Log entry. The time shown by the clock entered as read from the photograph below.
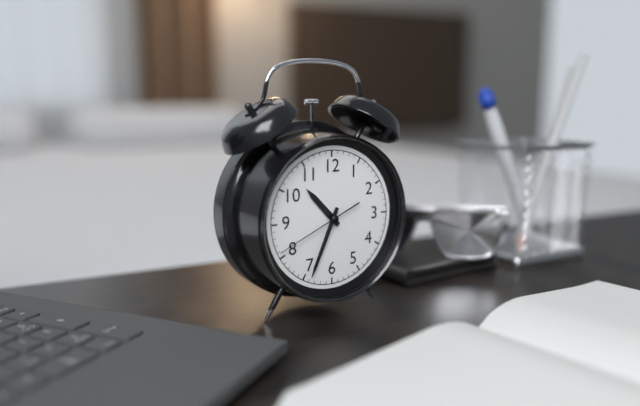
10:34:41
